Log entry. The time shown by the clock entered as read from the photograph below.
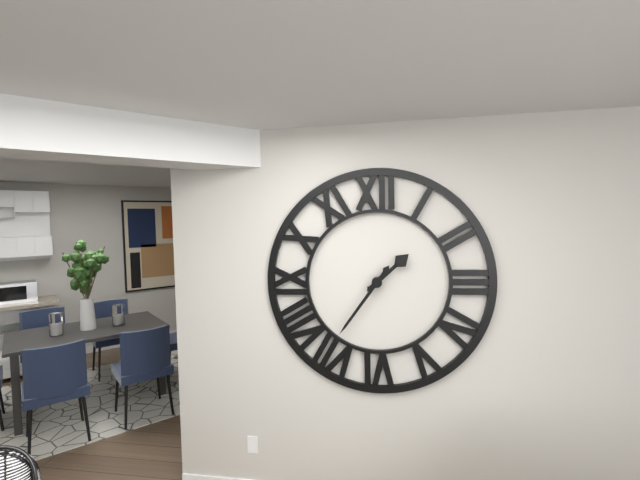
1:36
